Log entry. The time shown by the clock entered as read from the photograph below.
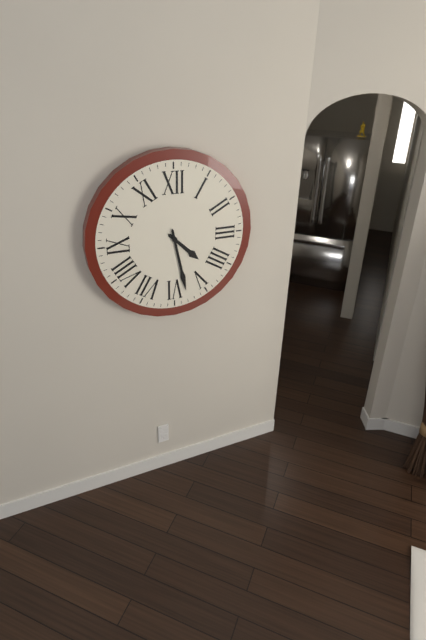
4:28
